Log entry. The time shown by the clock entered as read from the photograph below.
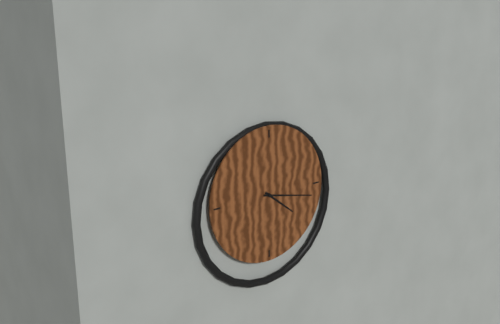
4:17
